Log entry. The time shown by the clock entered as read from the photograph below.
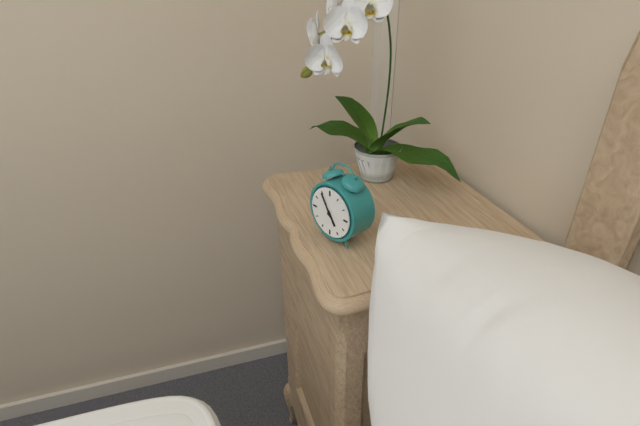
4:55
